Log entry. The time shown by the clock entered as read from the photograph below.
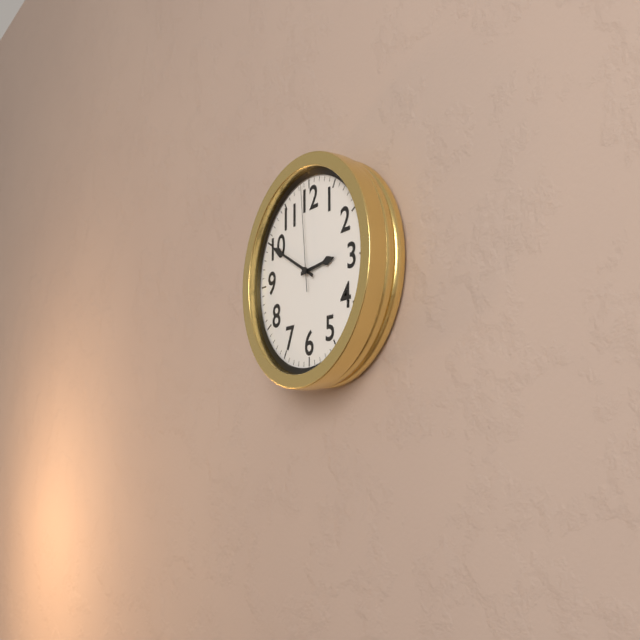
2:50:59
